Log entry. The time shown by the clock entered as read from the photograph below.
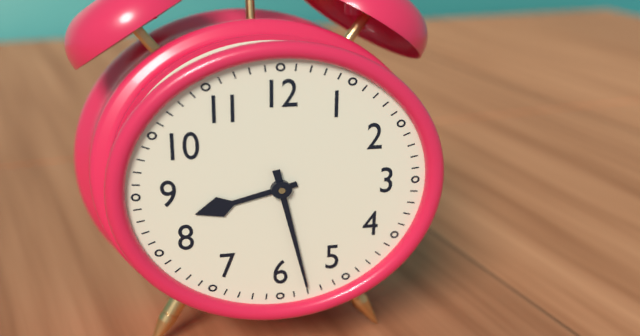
8:28
